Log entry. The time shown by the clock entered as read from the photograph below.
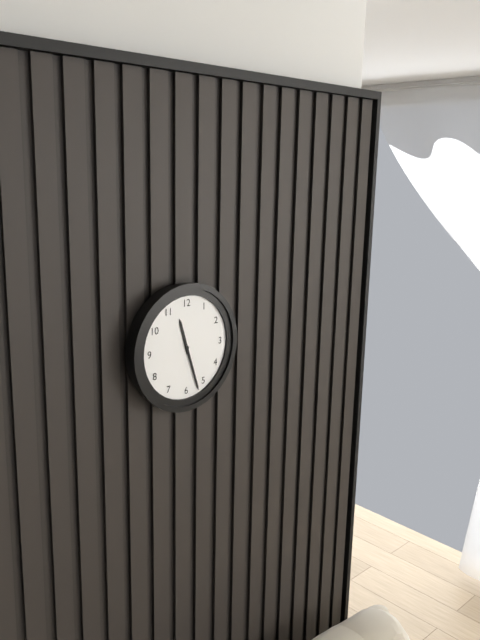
11:27
